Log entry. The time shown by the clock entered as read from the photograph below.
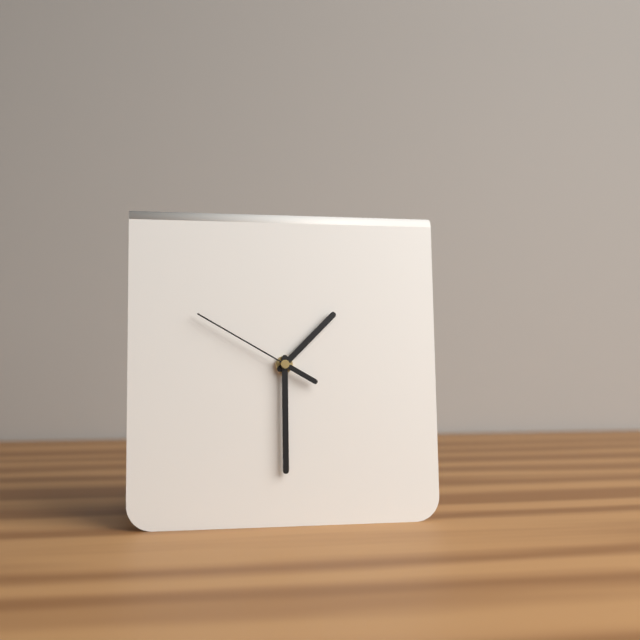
1:30:50
